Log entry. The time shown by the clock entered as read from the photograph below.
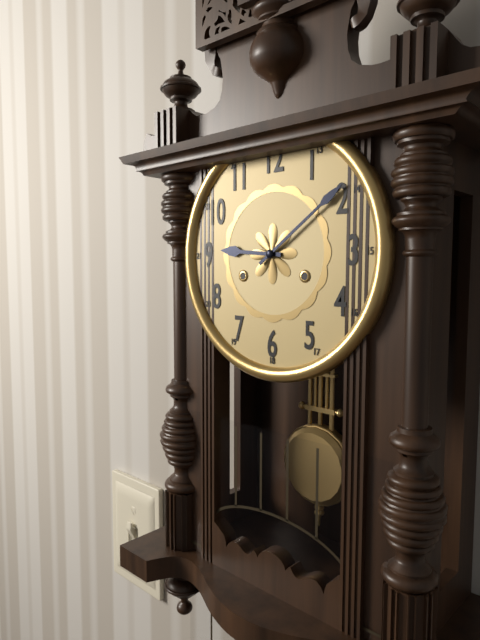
9:09
